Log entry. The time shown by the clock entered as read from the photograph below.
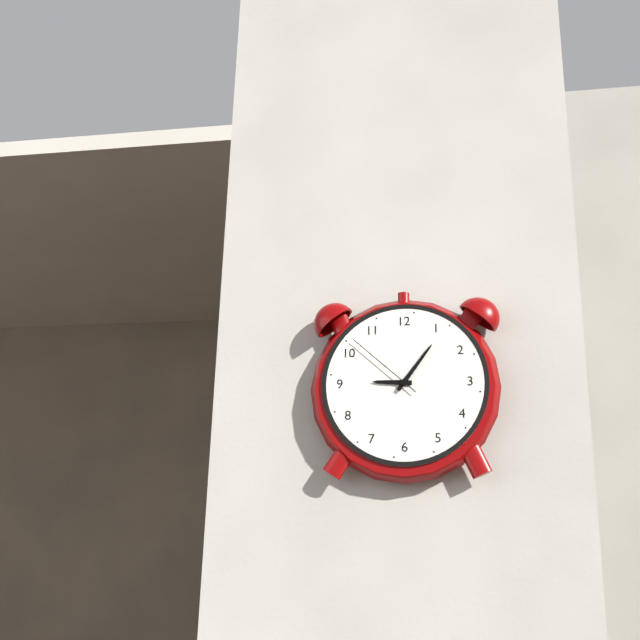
9:06:52
